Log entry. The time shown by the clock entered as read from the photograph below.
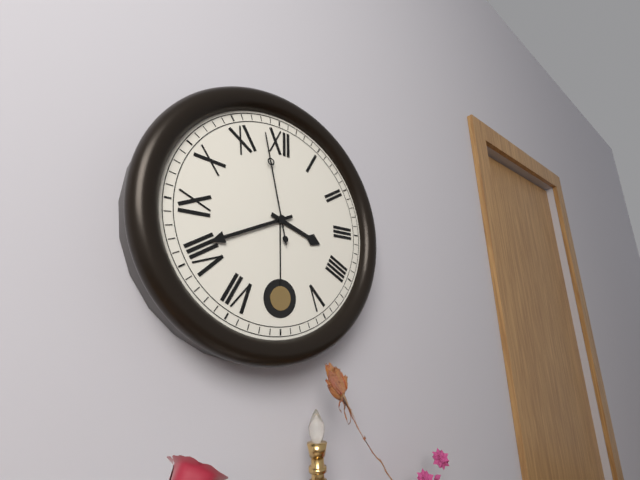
3:41:58
